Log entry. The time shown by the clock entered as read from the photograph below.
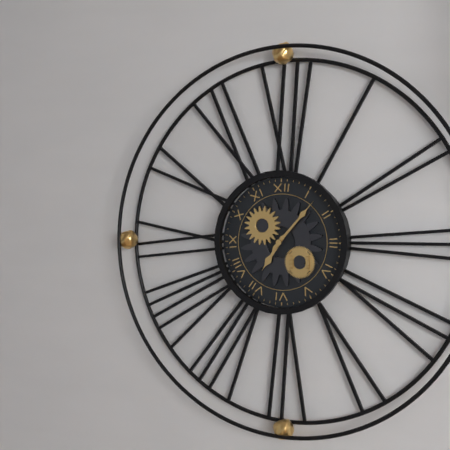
7:07
